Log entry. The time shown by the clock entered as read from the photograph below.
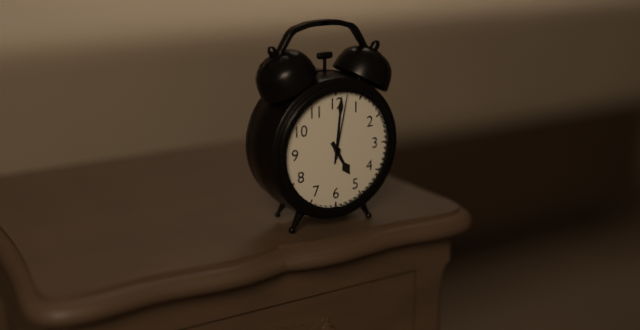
5:01:02
